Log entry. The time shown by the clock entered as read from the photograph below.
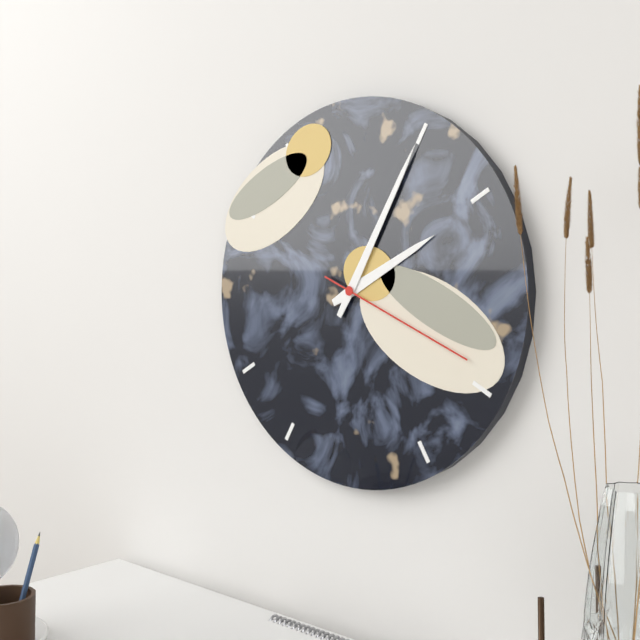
2:05:19
